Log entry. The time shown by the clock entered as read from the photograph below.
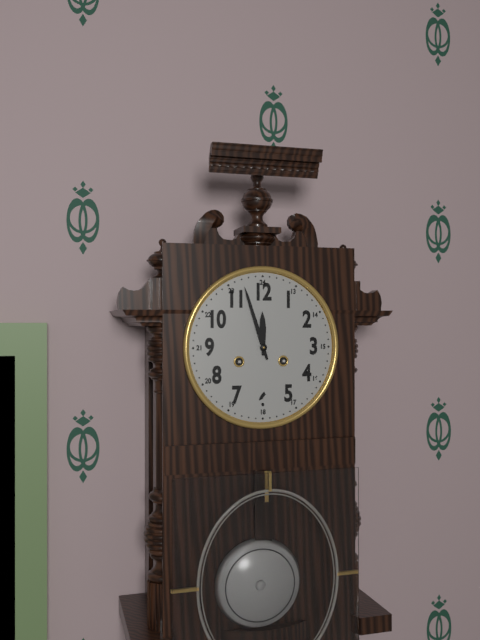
11:57
